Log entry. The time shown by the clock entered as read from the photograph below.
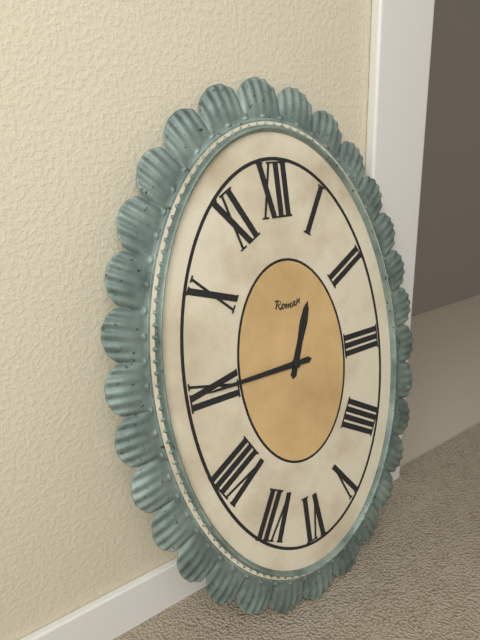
12:45
